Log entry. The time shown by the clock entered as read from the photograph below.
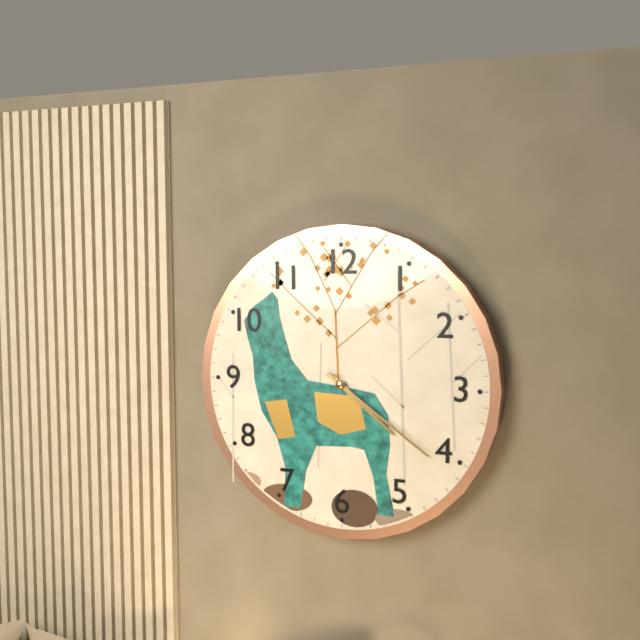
4:21
